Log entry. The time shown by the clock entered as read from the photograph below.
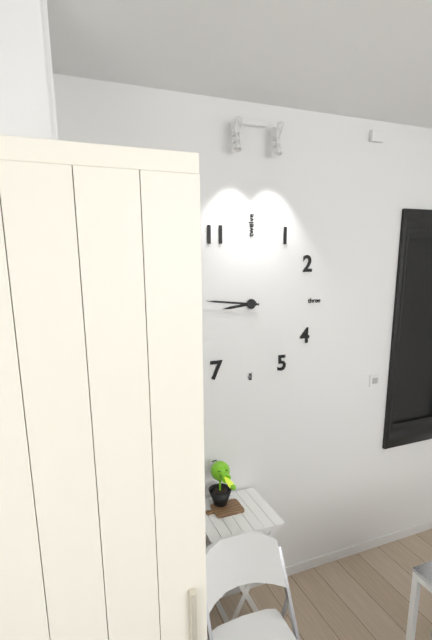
8:46
